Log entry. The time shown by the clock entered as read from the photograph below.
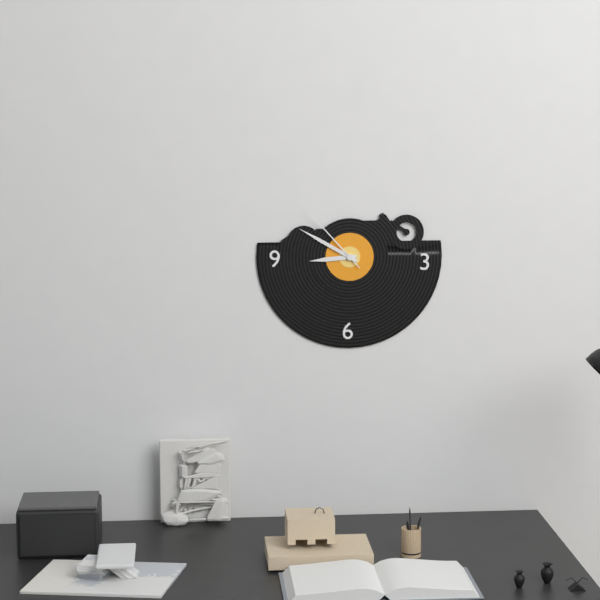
8:50:53
